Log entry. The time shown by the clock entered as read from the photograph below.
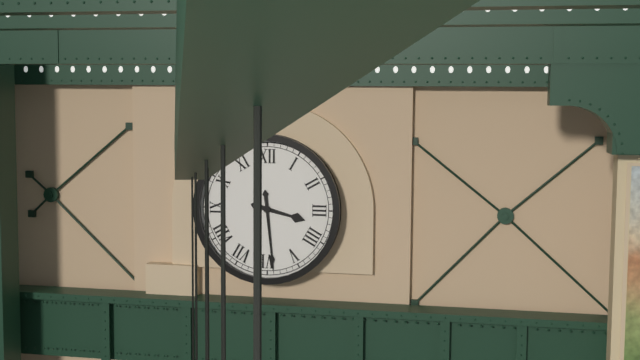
3:29
